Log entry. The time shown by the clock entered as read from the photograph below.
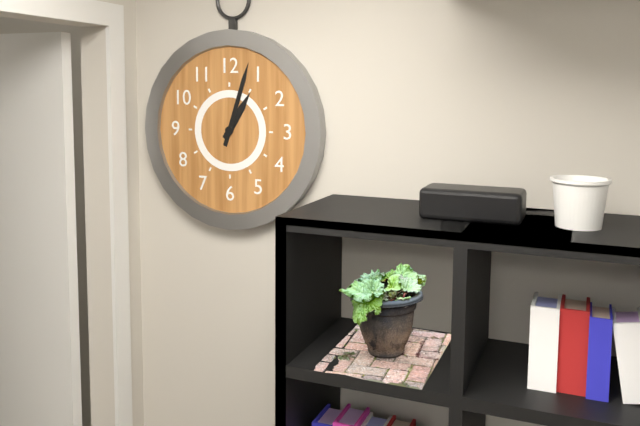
1:03
